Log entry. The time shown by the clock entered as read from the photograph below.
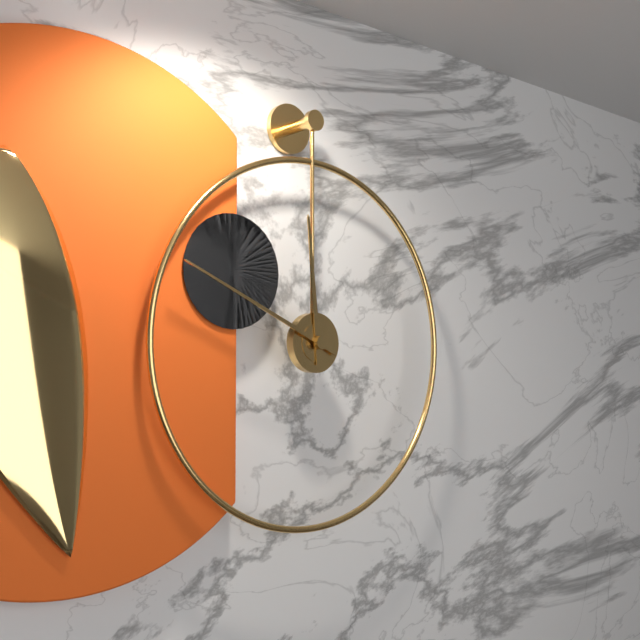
11:49
